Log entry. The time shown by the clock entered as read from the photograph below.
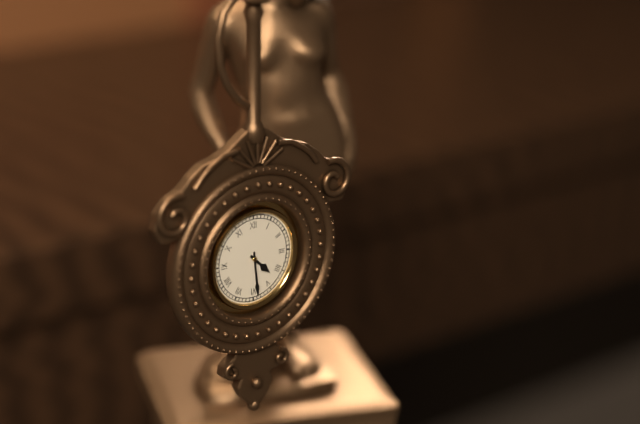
4:29
